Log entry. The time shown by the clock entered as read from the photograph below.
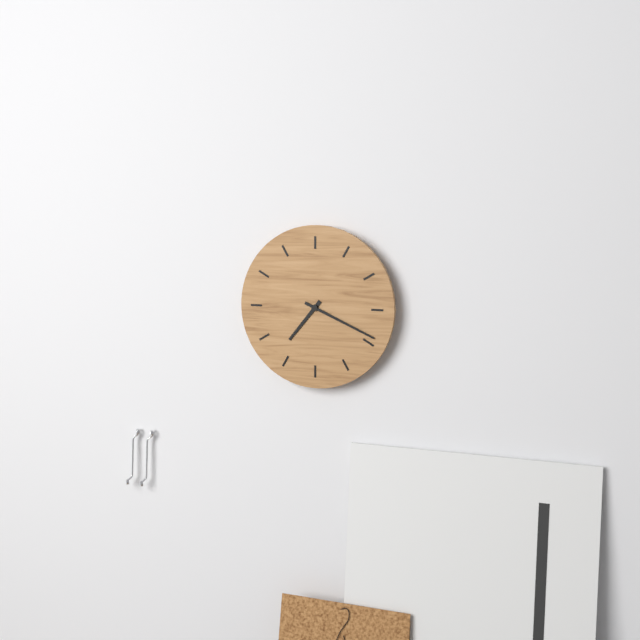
7:19
